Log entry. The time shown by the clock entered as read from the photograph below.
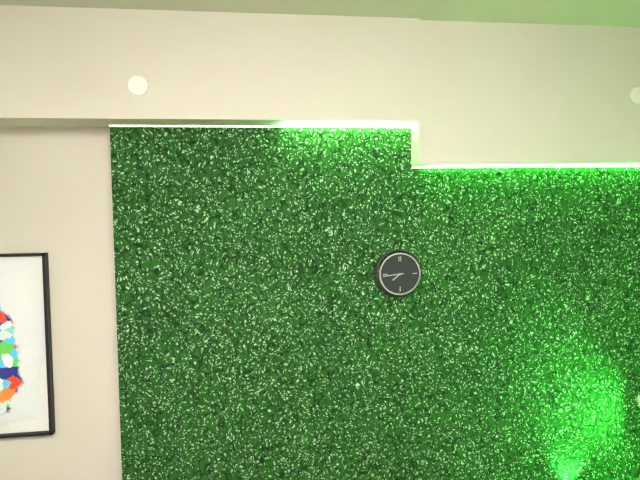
7:44
